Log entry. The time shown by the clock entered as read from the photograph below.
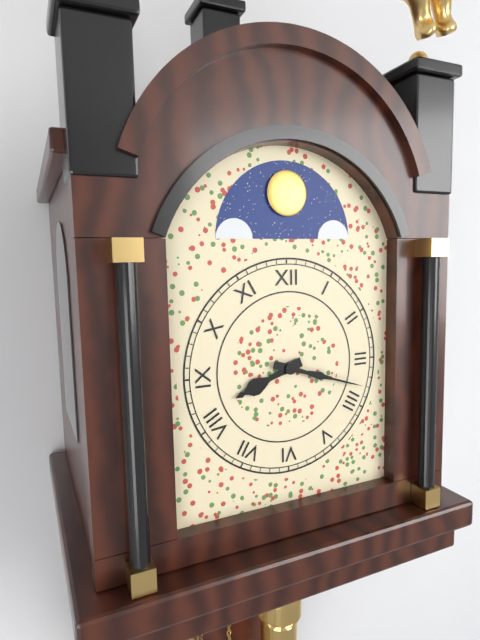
8:18
